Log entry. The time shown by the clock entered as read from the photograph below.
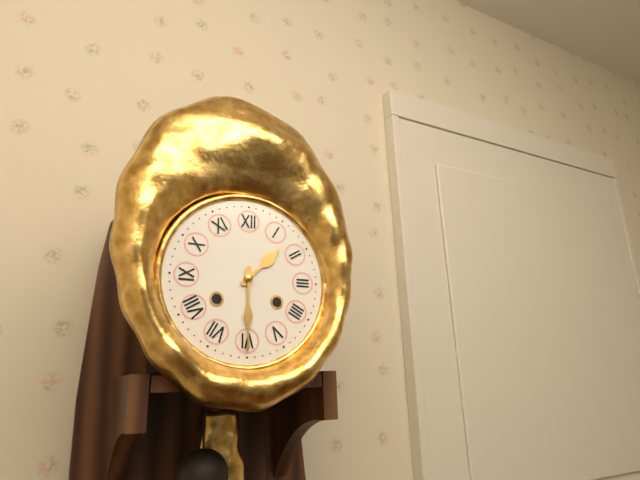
1:30
